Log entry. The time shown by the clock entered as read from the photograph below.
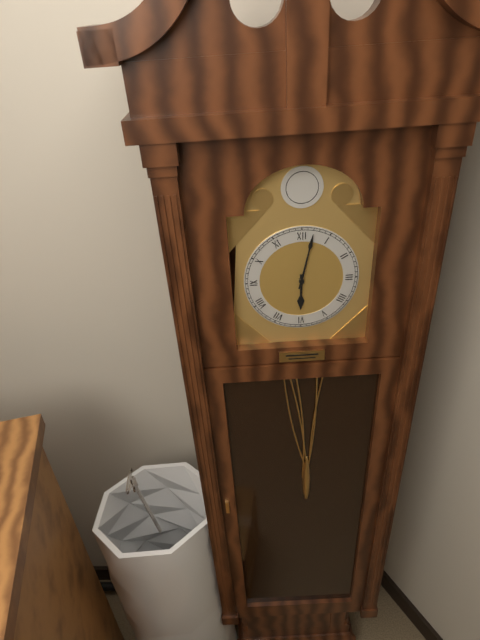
6:02
